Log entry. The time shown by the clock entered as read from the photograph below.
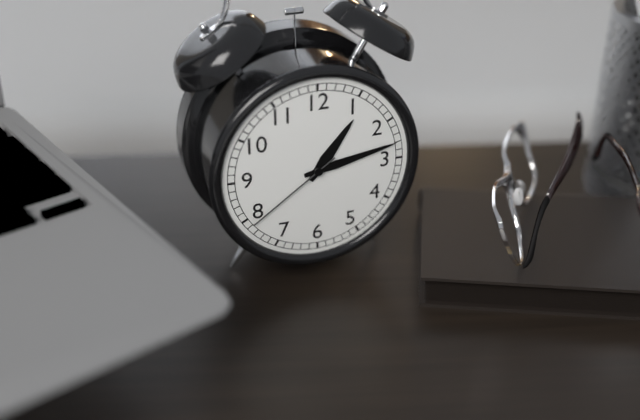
1:13:39
